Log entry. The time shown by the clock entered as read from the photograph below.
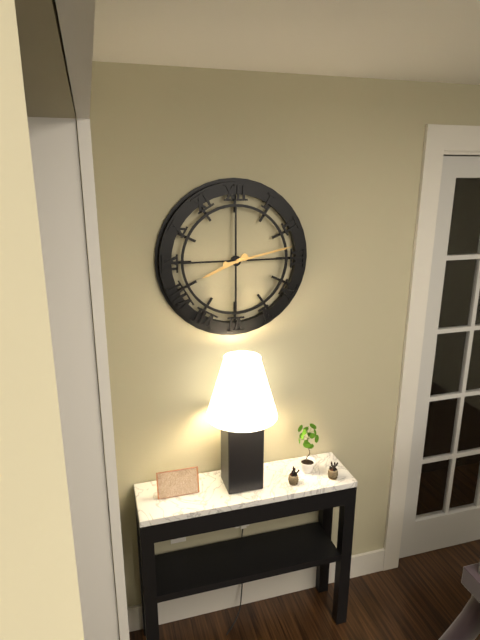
8:13
